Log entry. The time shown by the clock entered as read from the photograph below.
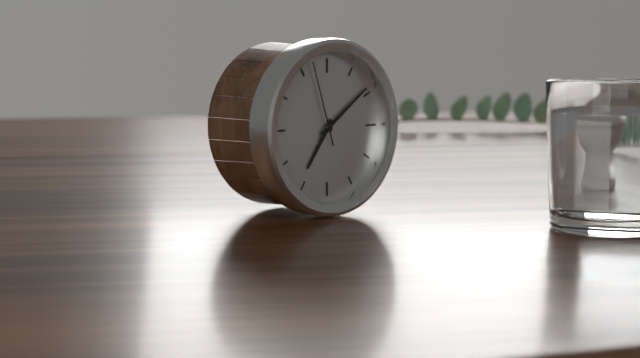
7:09:57
